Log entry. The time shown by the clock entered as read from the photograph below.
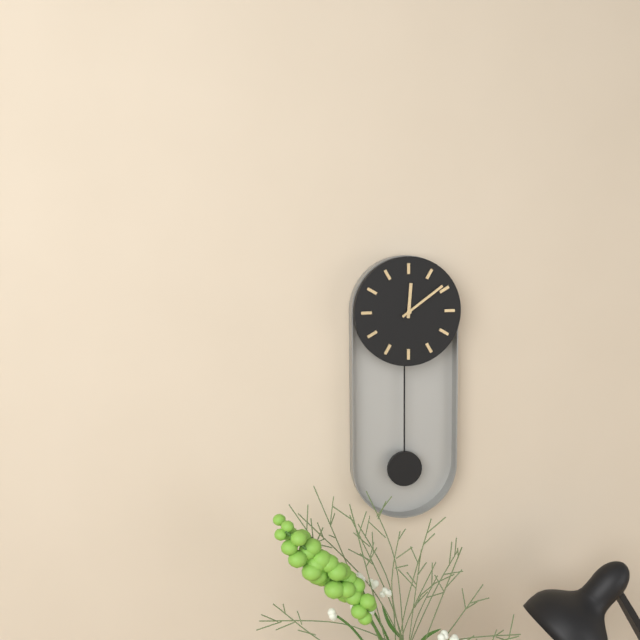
12:09
